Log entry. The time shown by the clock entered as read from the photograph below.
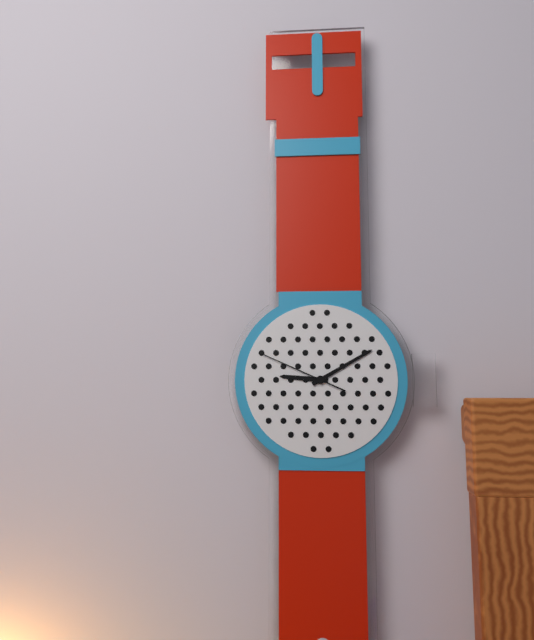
9:10:49
